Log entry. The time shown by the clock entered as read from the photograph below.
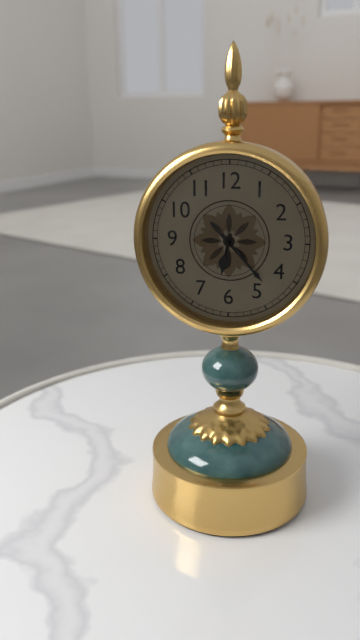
6:23
